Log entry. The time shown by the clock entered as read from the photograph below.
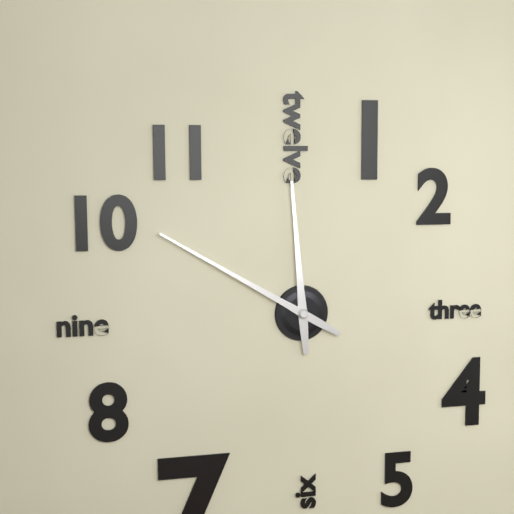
11:50
